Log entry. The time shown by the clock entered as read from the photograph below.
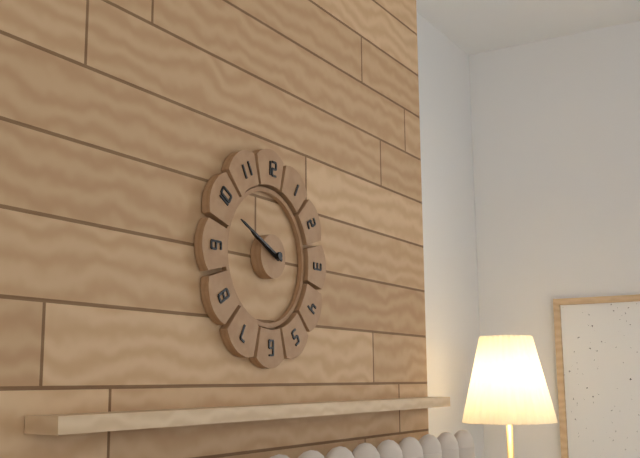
9:49
